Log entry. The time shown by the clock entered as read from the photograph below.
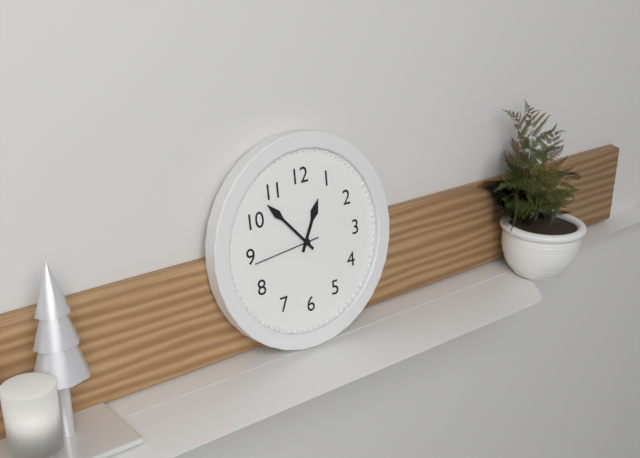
12:53:44
